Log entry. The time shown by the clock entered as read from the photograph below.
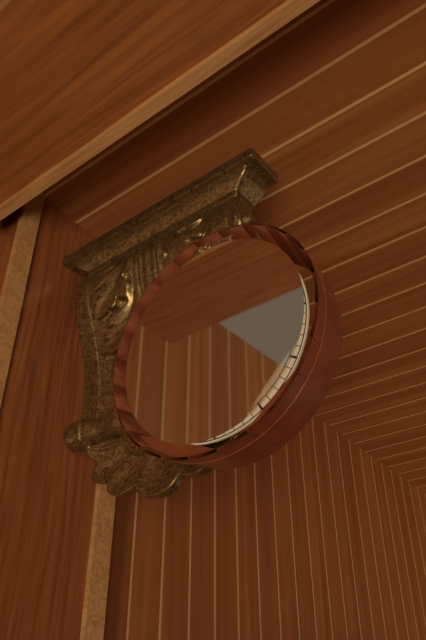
6:23
